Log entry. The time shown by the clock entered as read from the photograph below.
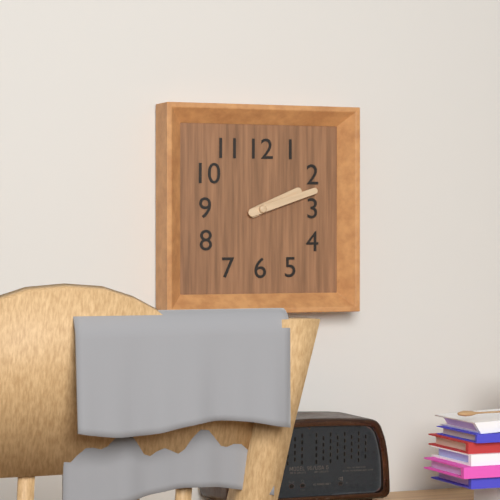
2:12
